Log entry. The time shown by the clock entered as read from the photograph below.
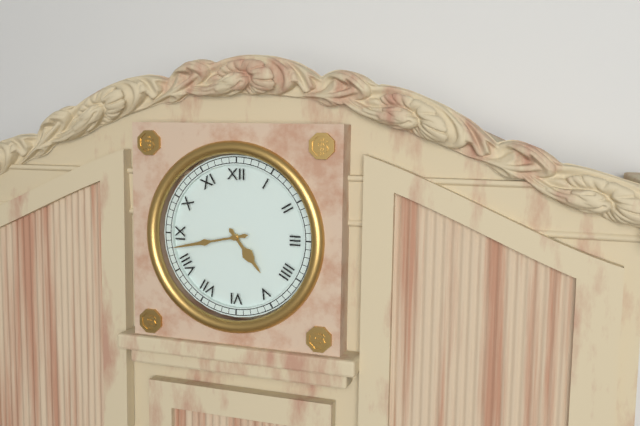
4:43
